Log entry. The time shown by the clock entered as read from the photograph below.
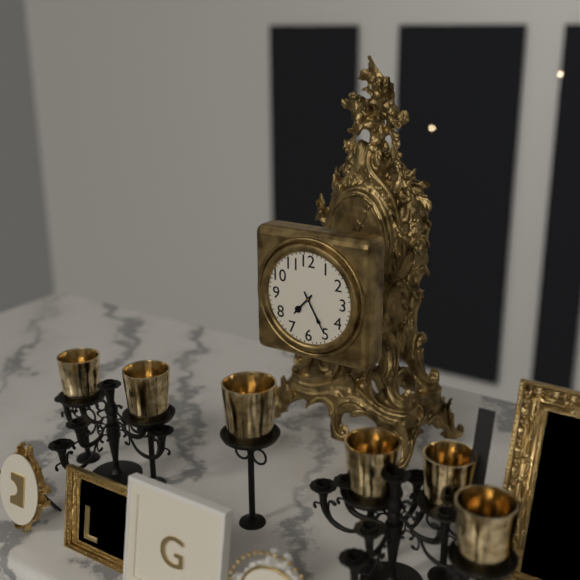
7:25
